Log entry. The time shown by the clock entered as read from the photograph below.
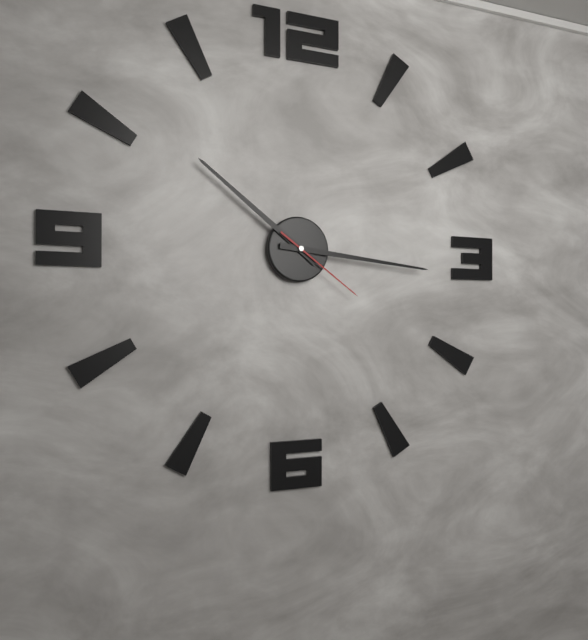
10:16:21
